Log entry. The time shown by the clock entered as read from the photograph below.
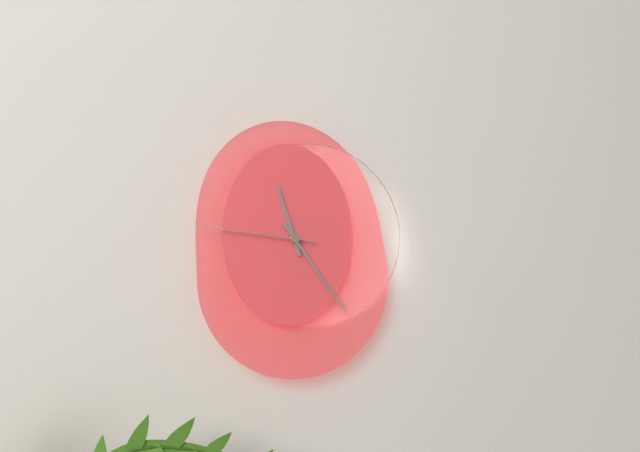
11:24:46
